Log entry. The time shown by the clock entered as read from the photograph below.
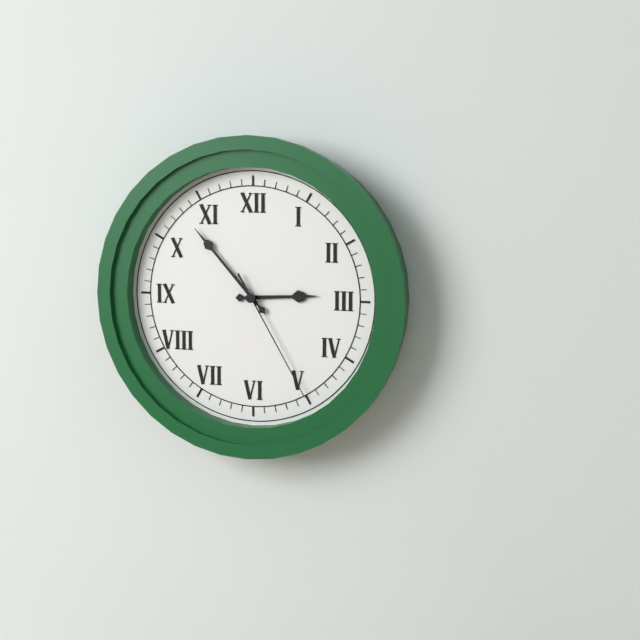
2:53:25
